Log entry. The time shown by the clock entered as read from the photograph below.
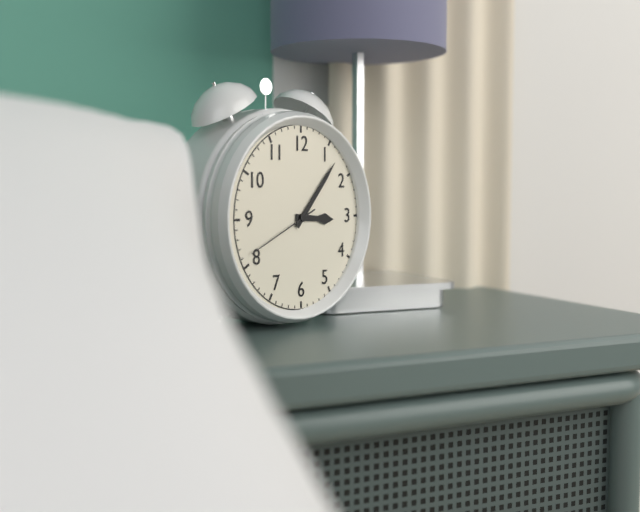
3:07:41
